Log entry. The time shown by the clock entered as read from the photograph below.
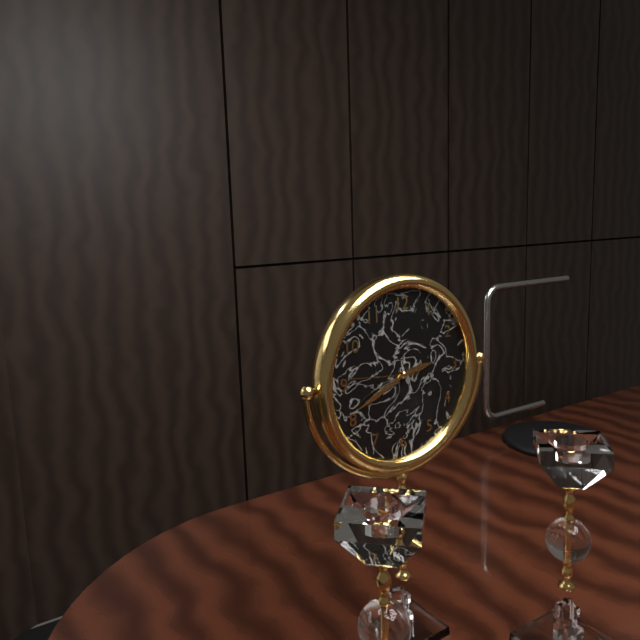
2:41:46
